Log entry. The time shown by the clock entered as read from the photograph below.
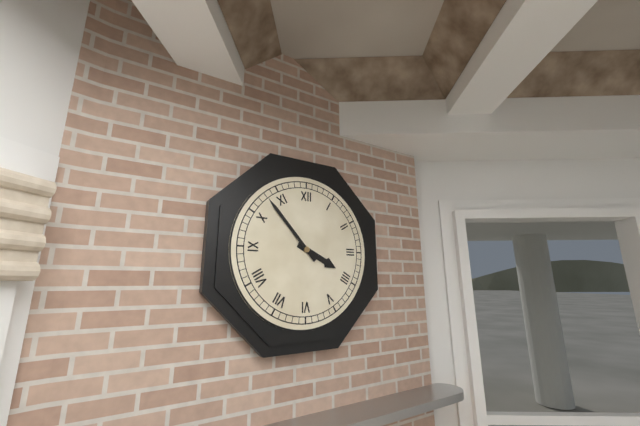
3:53
